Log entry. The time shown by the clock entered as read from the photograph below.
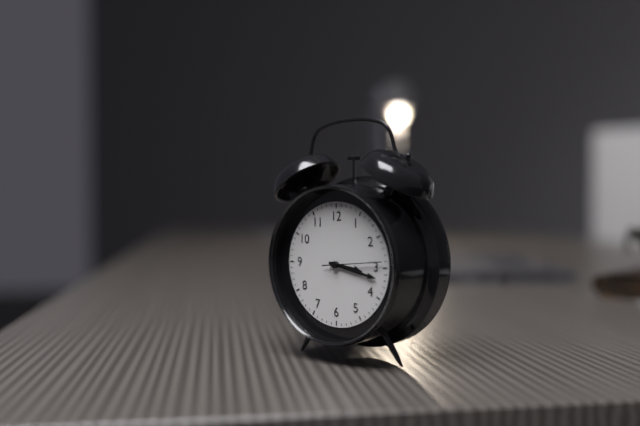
3:17:14
